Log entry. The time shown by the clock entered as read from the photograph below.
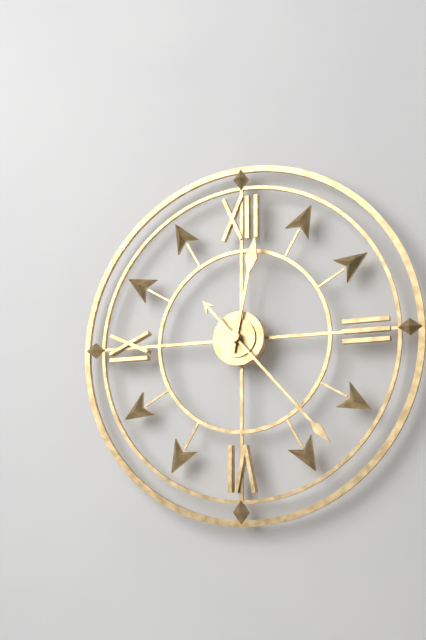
12:23
